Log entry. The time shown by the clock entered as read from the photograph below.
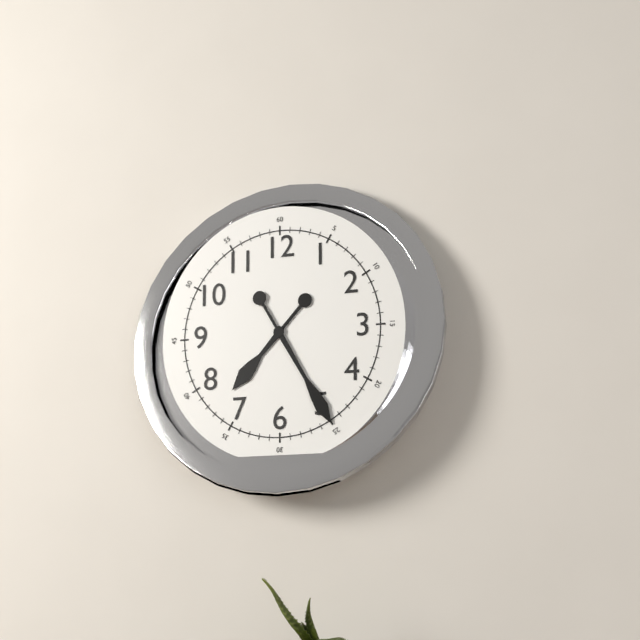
7:25
